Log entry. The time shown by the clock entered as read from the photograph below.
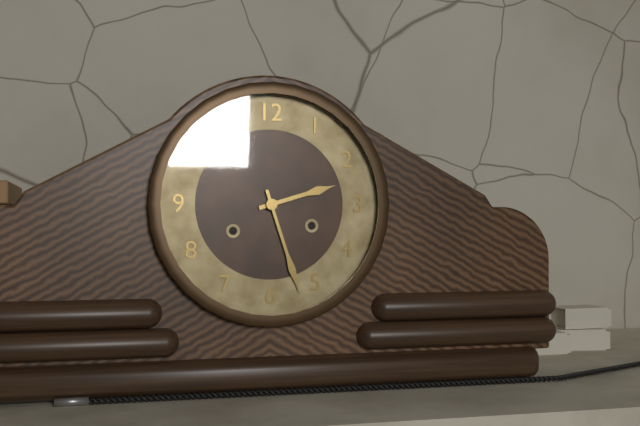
2:27
